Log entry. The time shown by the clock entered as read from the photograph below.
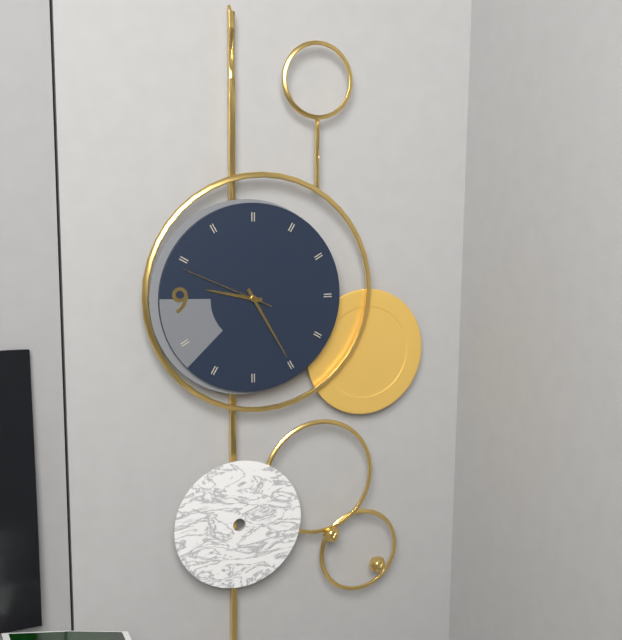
9:25:49
